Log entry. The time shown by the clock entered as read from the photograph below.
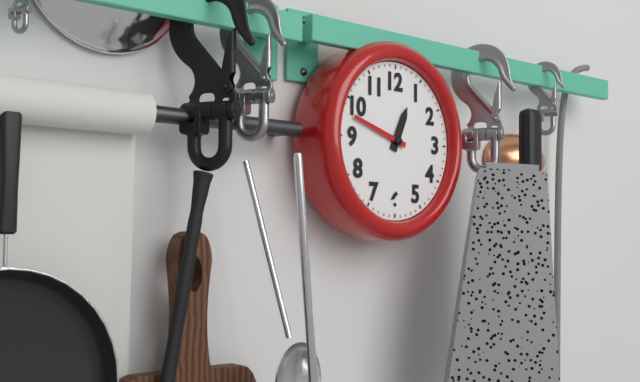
12:48
